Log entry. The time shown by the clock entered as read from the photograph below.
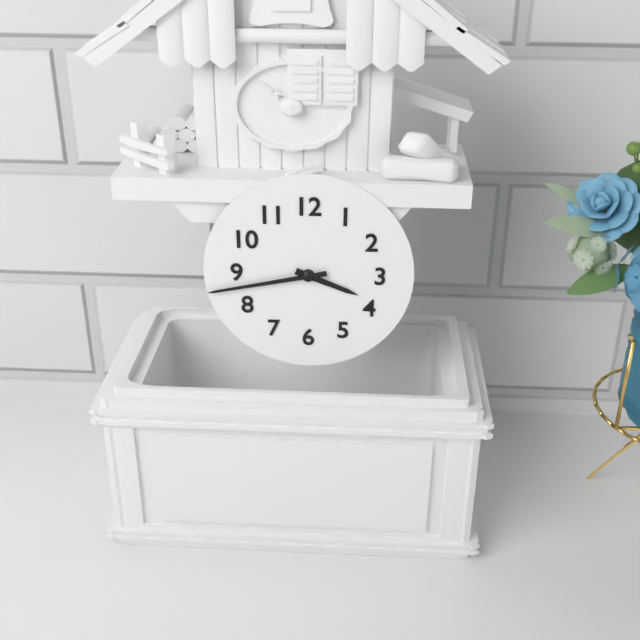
3:43
